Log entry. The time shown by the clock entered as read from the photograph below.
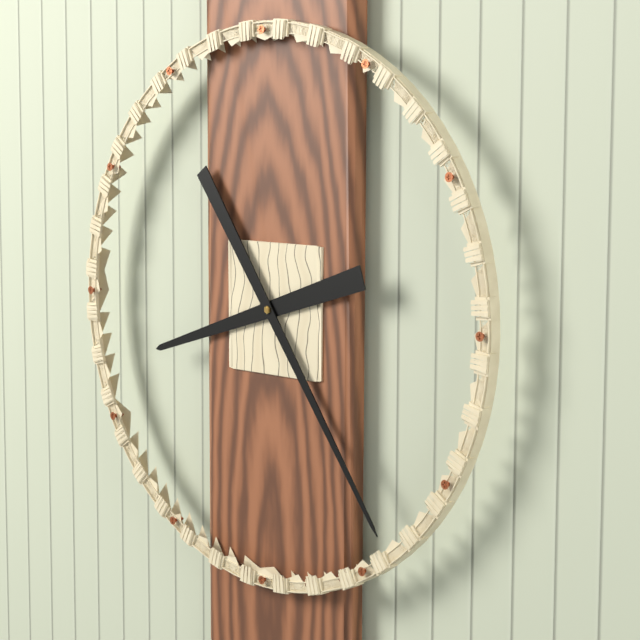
8:24
